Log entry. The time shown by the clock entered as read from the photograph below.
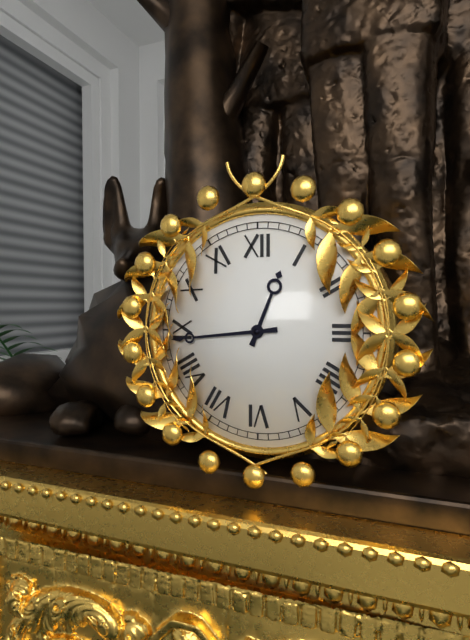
12:44
